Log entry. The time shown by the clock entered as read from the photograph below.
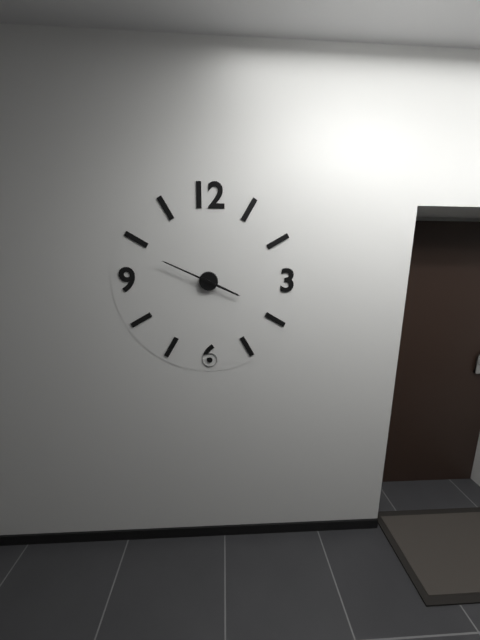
3:49
